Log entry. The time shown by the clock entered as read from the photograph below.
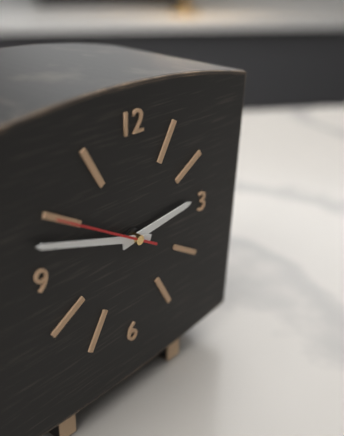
2:48:50
